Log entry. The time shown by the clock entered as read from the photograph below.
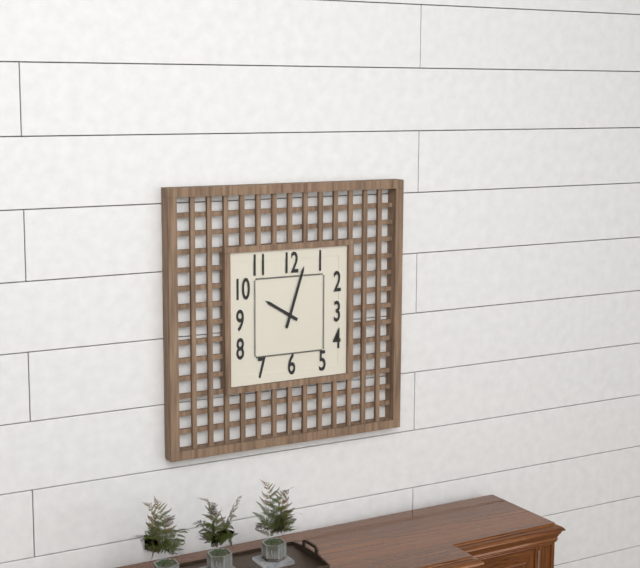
10:03
